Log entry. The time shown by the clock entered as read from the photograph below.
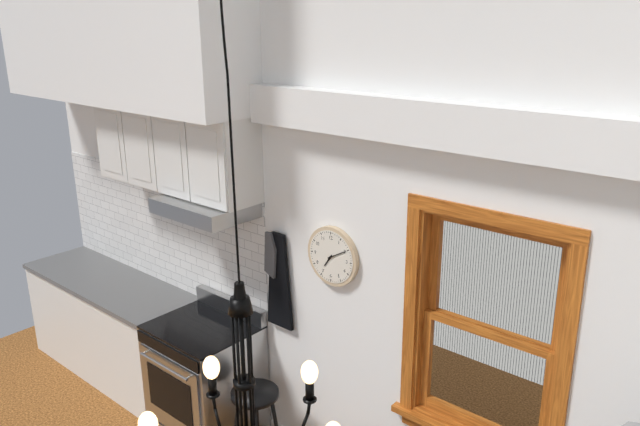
7:10
